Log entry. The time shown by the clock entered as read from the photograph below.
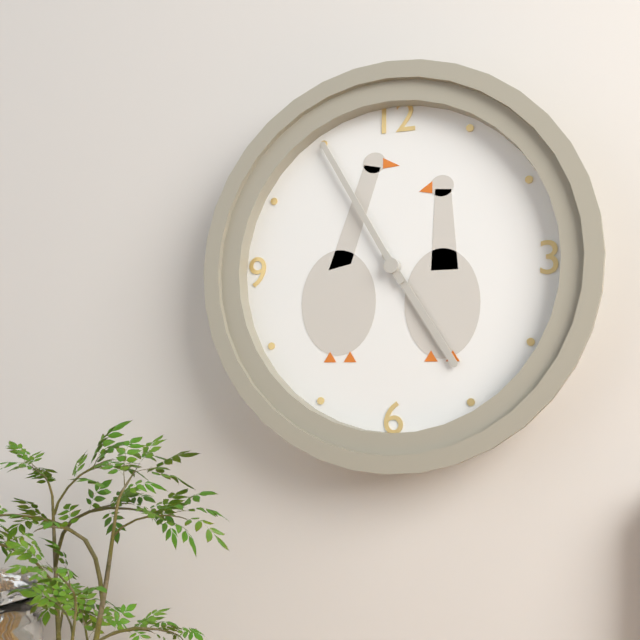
4:55
